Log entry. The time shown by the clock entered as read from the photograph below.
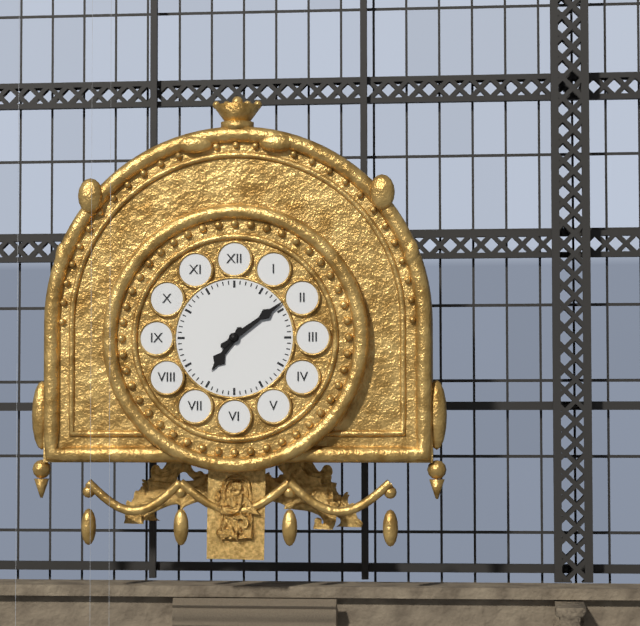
7:09
